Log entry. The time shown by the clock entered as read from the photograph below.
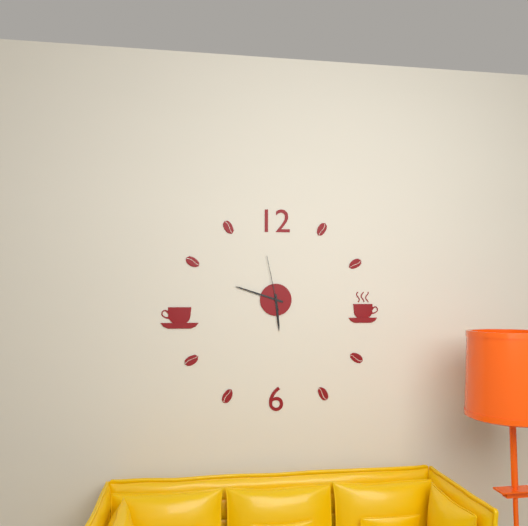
5:48:58
